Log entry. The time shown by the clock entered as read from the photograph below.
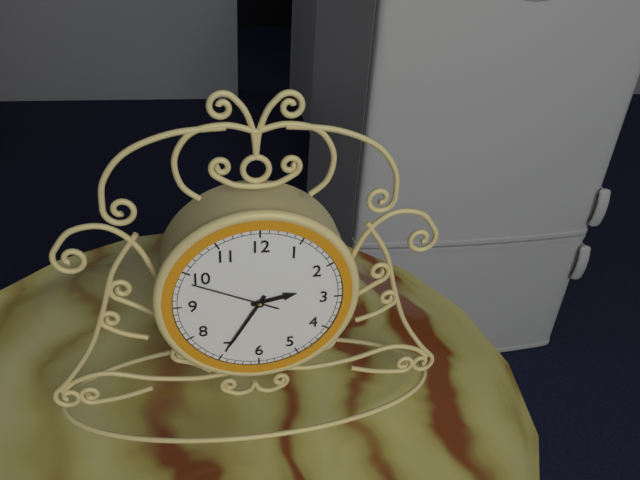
2:35:49
